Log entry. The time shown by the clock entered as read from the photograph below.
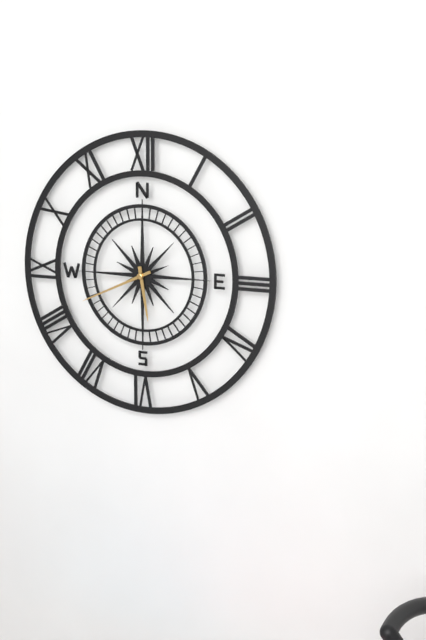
5:41
